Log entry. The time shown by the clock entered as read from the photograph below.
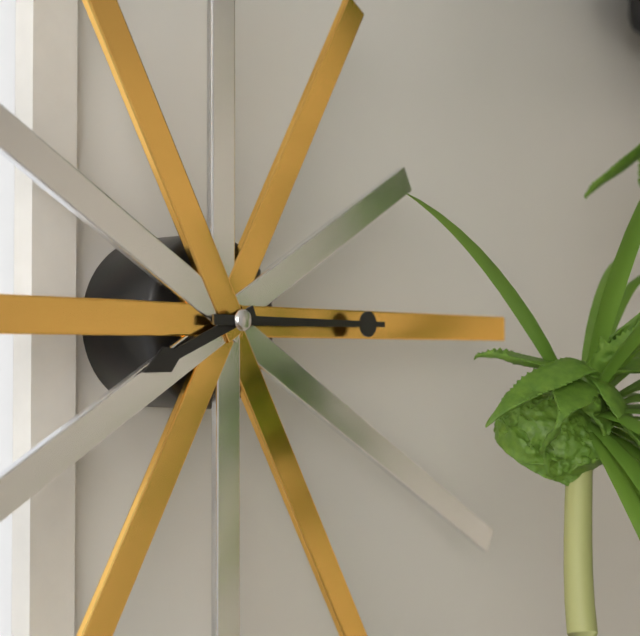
8:15
